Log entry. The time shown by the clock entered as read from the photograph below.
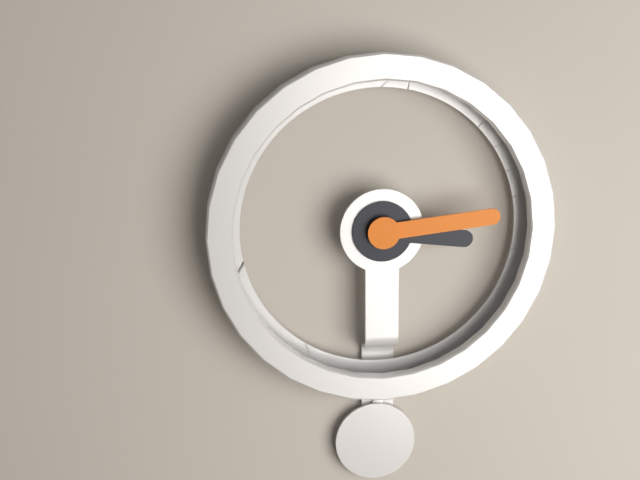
3:14
